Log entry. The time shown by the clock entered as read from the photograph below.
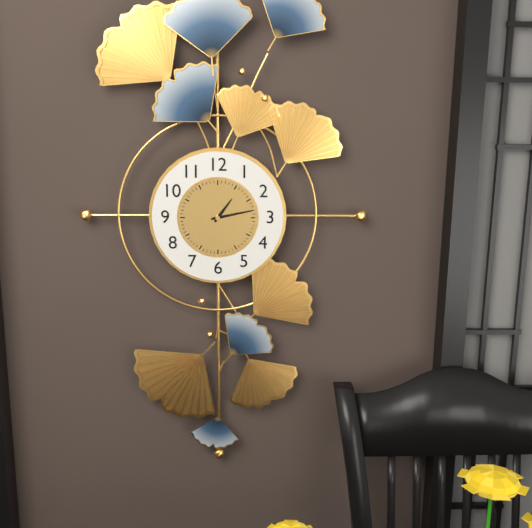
1:13
